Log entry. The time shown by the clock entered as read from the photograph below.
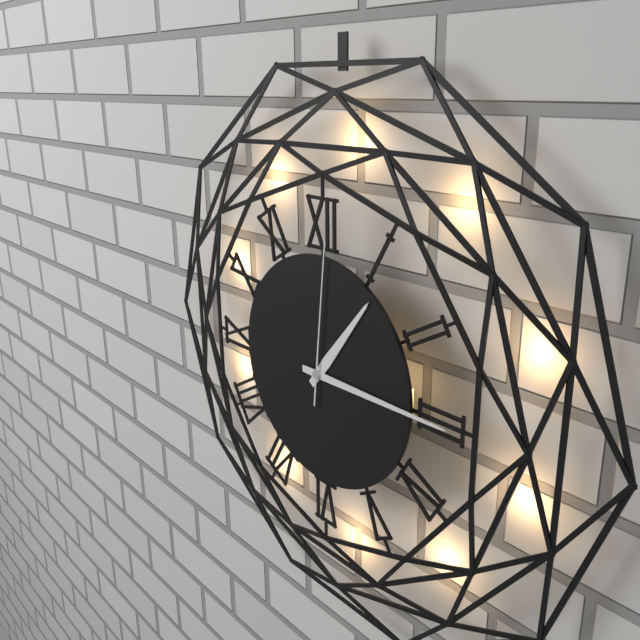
1:15:01
